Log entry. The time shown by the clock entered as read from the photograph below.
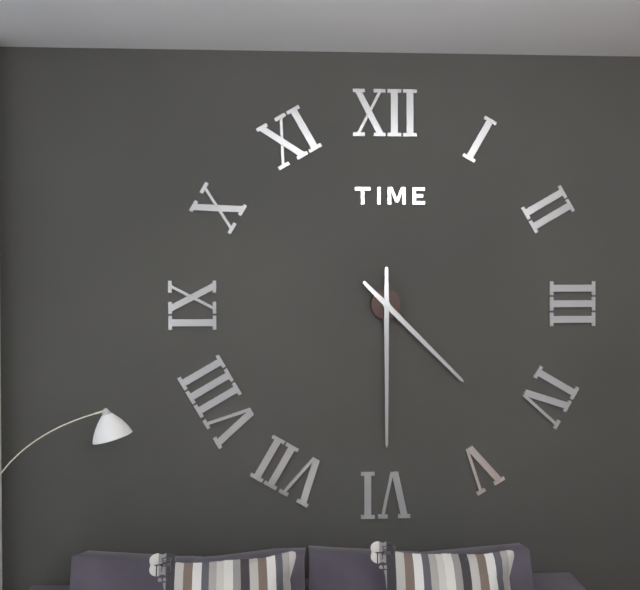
4:30
